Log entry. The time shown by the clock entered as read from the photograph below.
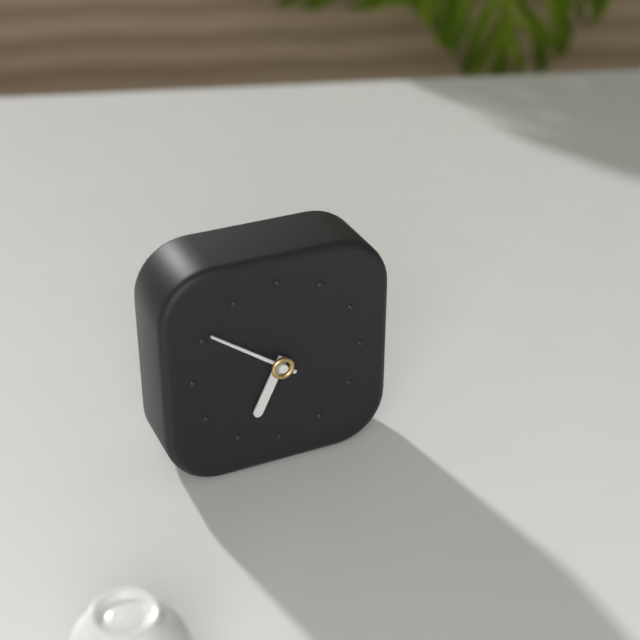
6:51
